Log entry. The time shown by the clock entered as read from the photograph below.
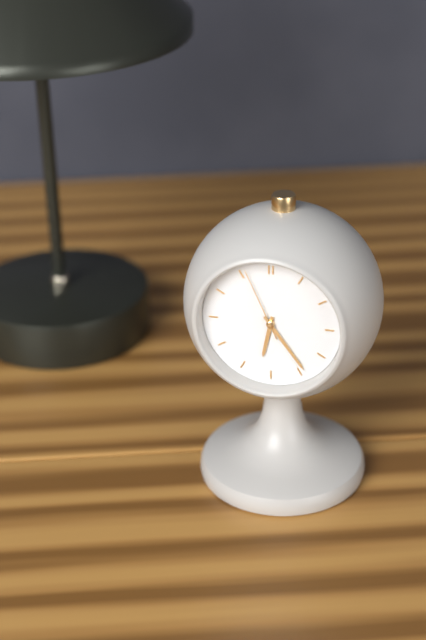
6:24:56
